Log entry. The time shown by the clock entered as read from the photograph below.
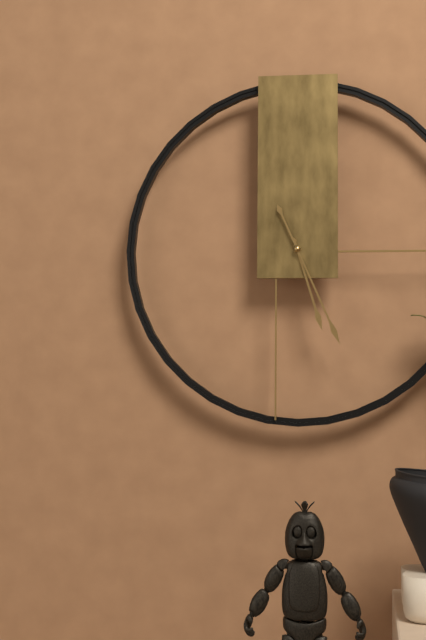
5:26
